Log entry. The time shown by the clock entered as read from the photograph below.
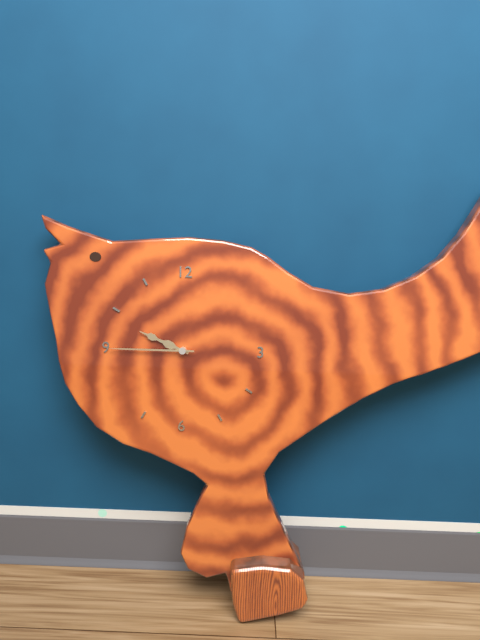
9:45
